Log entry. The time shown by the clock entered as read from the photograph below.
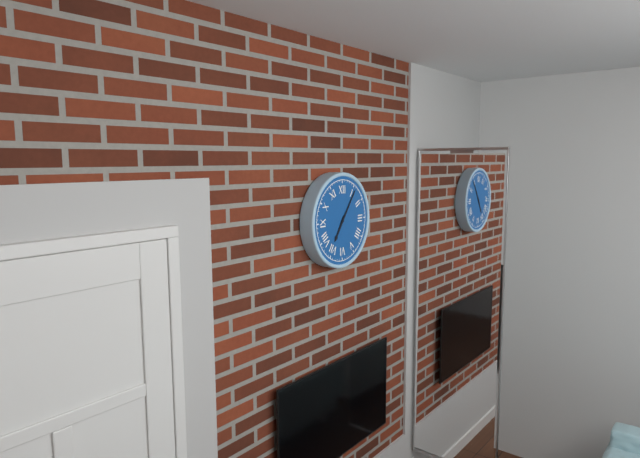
7:06
